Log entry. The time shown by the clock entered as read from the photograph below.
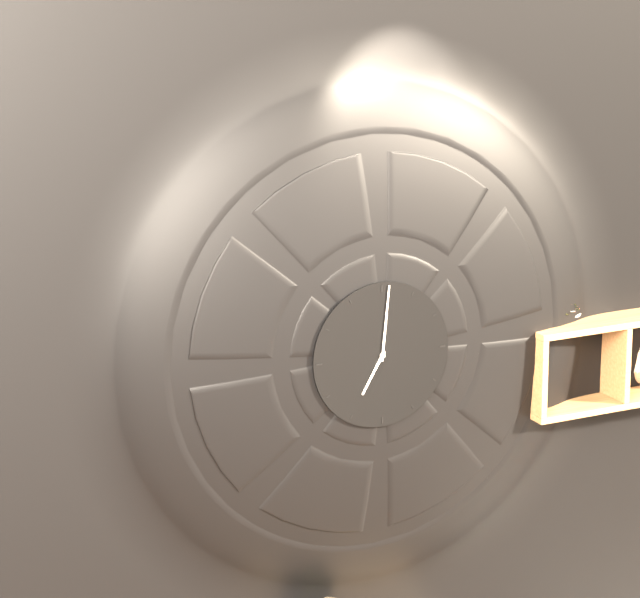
7:01
